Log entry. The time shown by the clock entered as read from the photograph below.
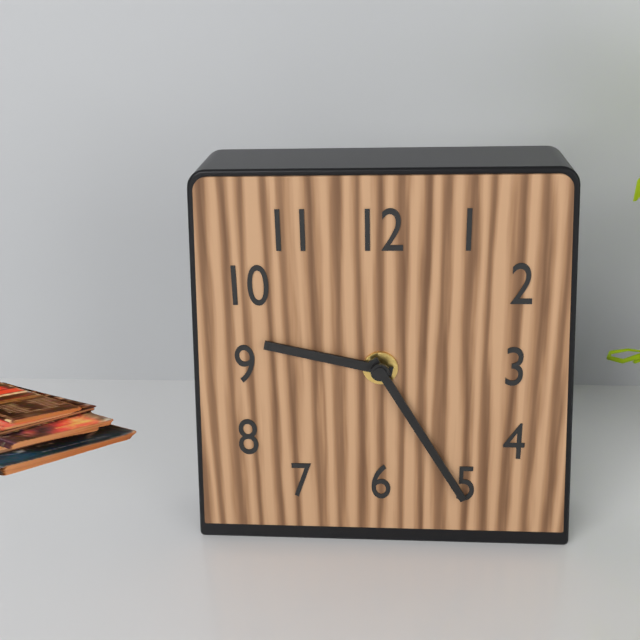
9:25
